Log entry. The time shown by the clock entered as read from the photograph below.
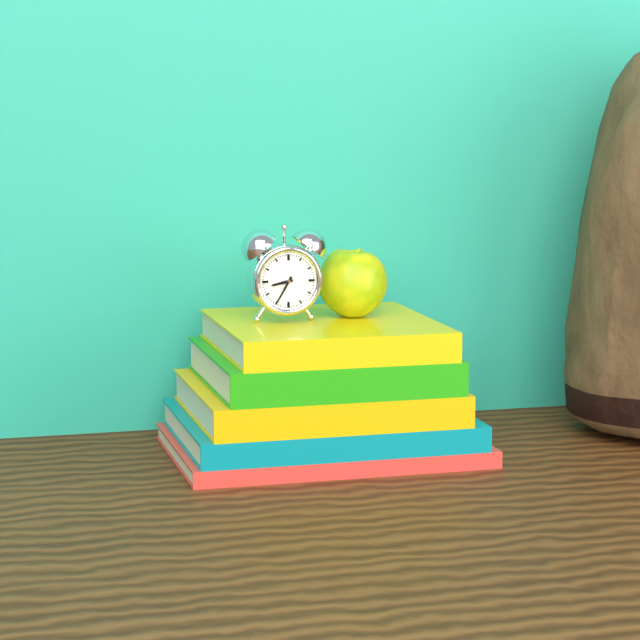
8:35
